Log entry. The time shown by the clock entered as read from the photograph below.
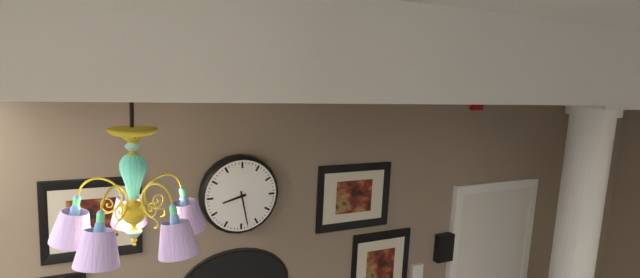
8:28
